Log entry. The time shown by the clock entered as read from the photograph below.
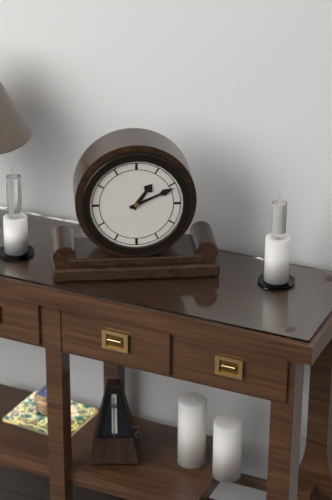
1:11
